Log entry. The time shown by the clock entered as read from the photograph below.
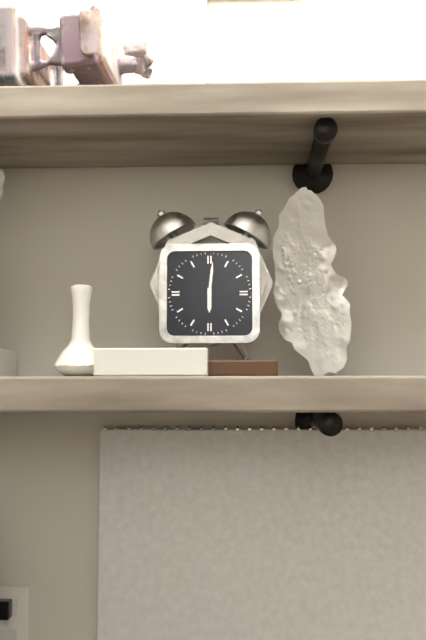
6:01
